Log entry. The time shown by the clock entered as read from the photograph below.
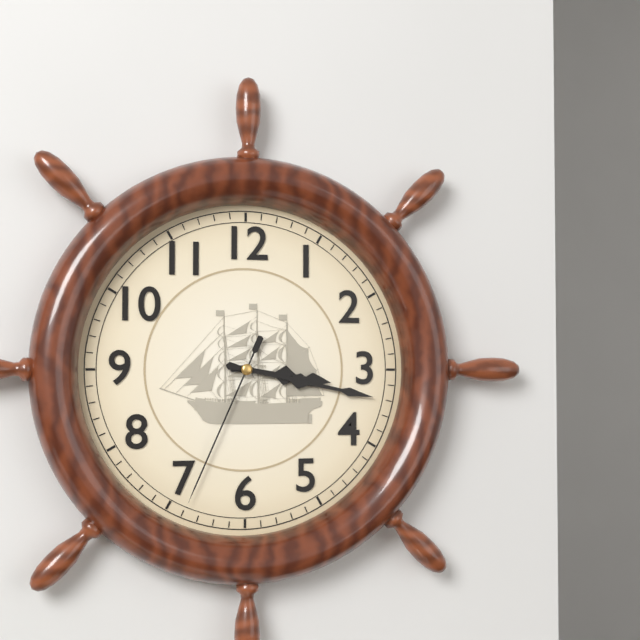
3:17:34
